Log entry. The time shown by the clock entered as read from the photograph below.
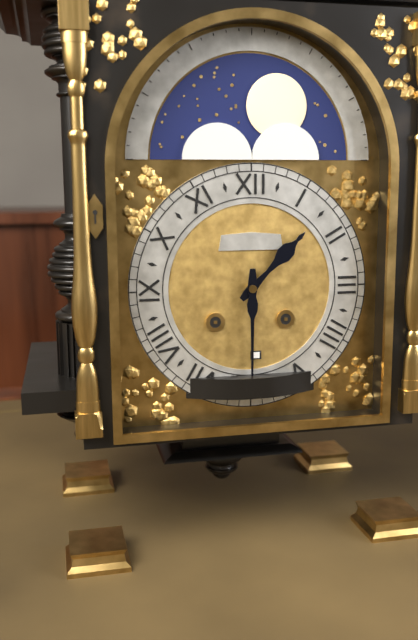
1:30
